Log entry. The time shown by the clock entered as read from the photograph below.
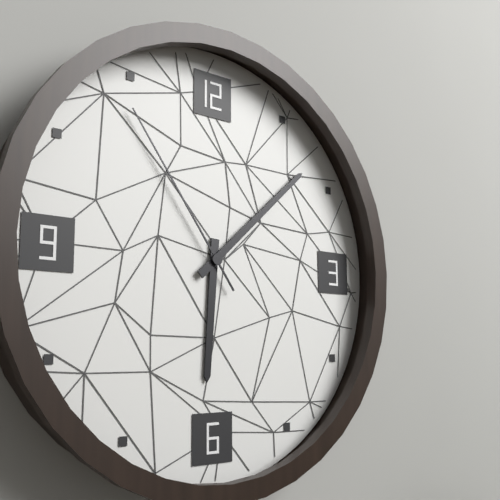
6:08:54
